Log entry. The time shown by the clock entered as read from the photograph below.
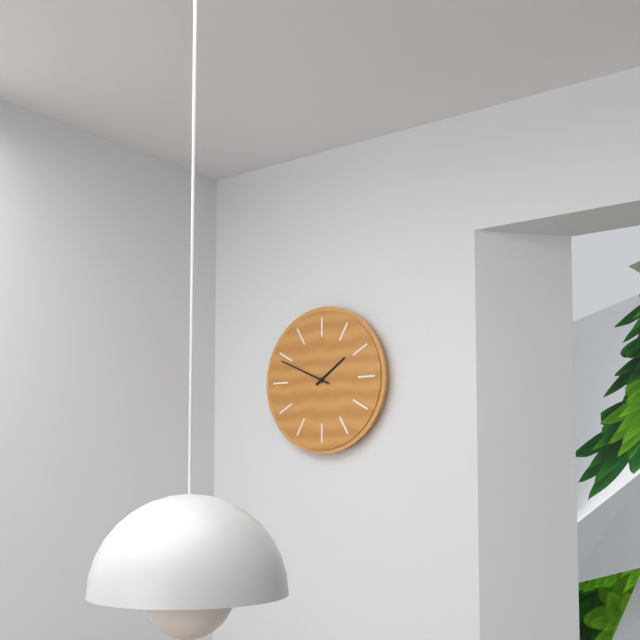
1:49
